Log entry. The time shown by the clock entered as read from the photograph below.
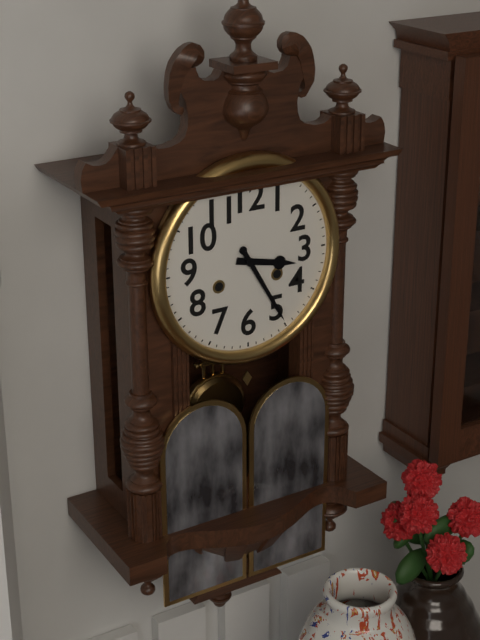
3:25
